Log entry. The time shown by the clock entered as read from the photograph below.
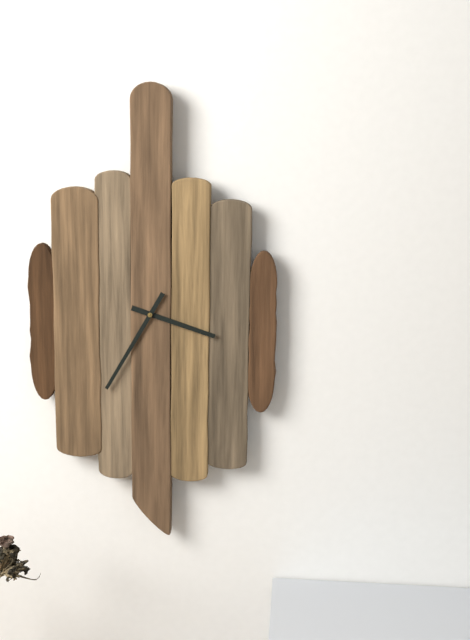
3:35
